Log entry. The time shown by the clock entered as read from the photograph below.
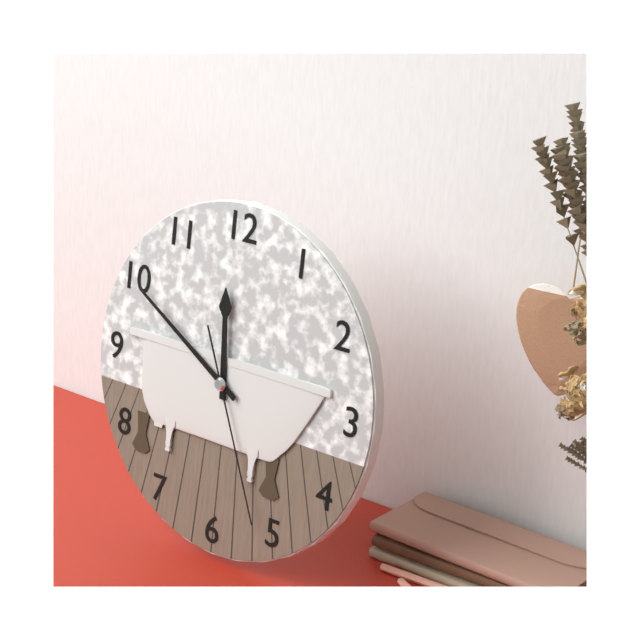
11:50:26
